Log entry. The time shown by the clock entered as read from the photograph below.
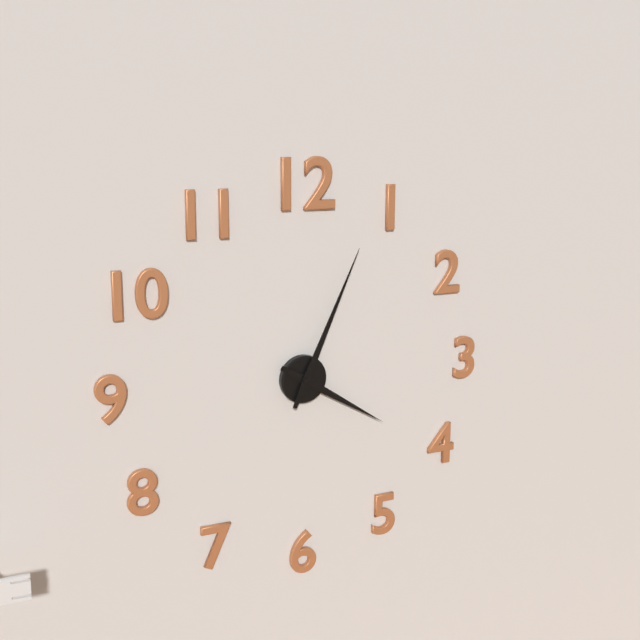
4:04
